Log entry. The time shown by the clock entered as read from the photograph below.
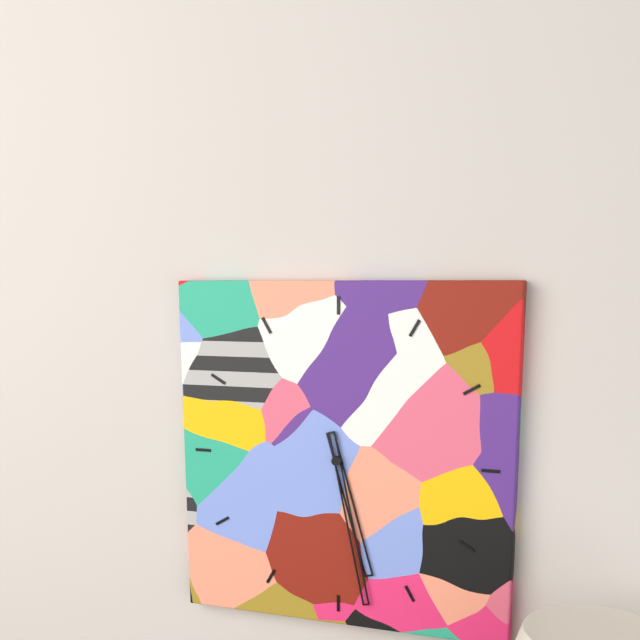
5:28
